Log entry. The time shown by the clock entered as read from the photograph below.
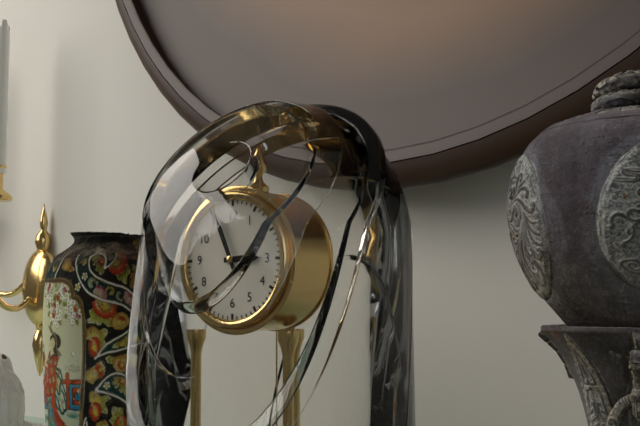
2:56
